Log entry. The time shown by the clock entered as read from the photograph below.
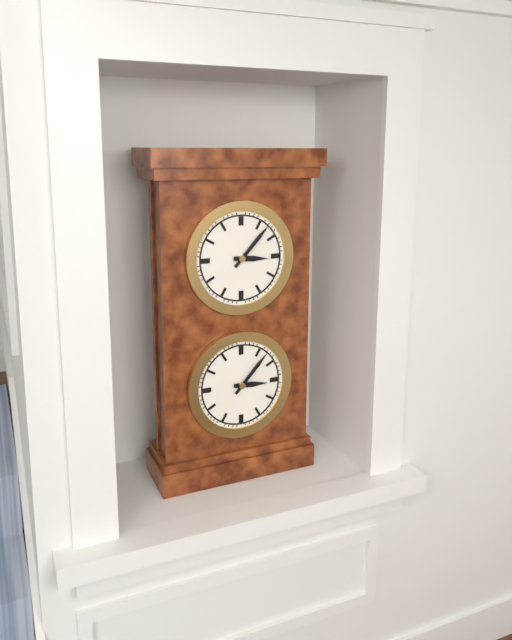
3:07
